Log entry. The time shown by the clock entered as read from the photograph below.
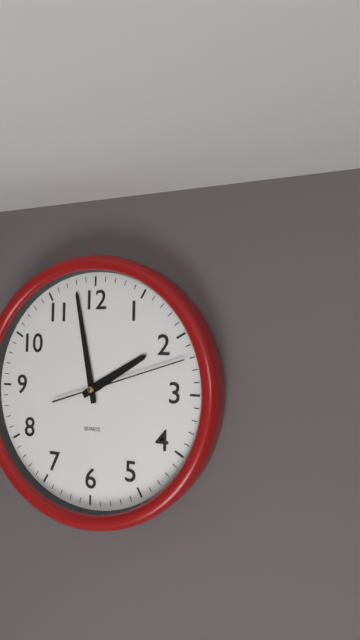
1:58:12
